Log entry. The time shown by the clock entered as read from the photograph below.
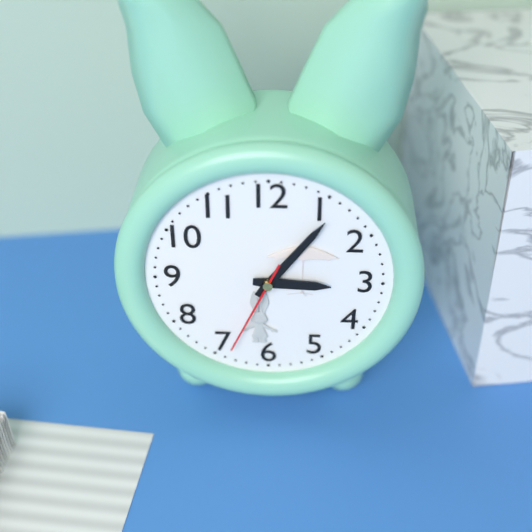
3:06:34
